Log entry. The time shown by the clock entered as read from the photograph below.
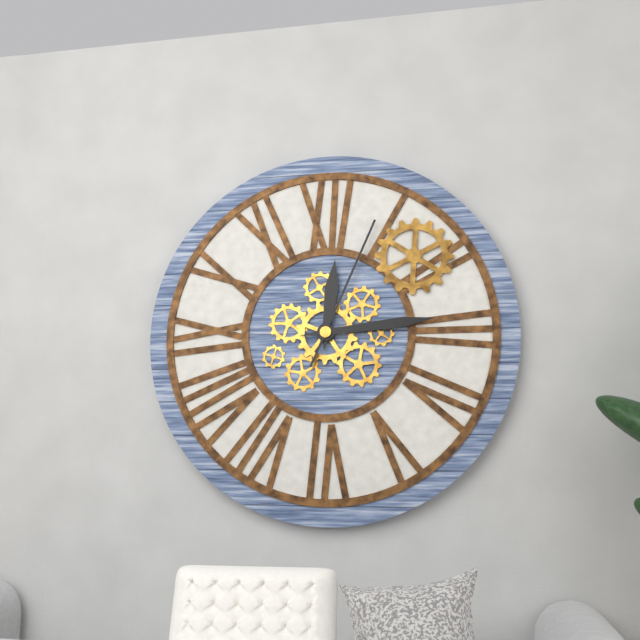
12:14:04
